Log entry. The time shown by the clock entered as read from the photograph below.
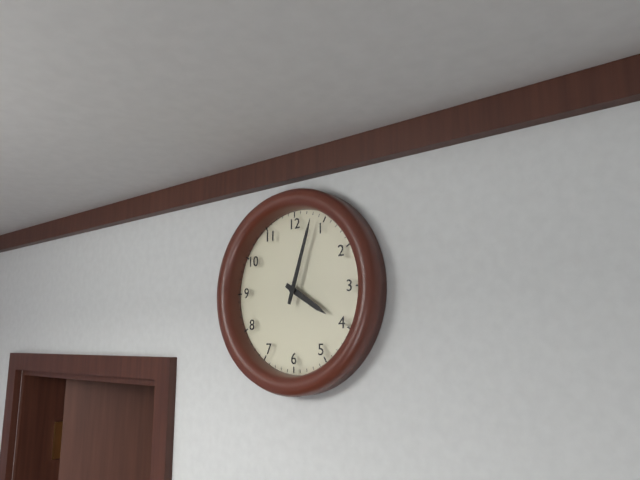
4:03
